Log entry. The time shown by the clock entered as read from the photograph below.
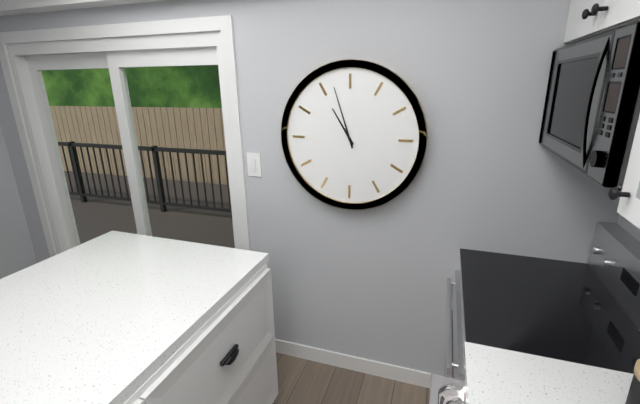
10:57
